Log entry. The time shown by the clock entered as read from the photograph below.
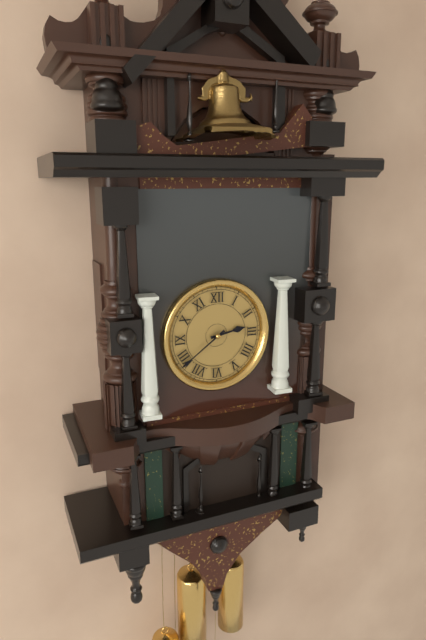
2:39
